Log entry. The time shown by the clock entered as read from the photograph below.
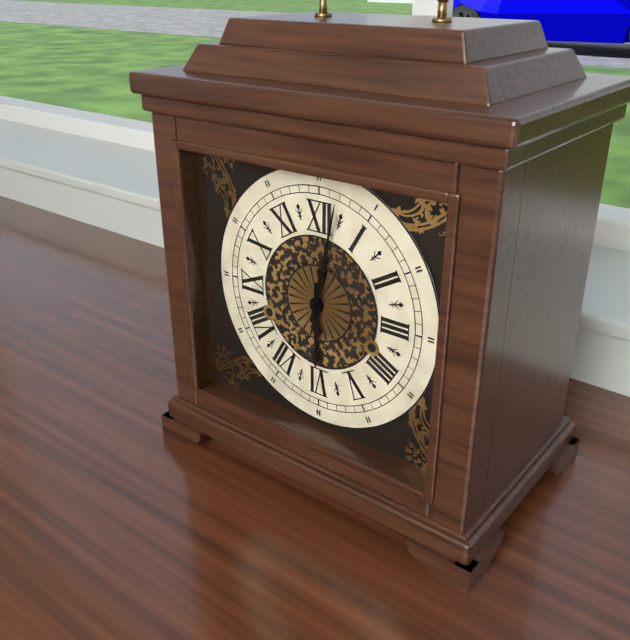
6:02
